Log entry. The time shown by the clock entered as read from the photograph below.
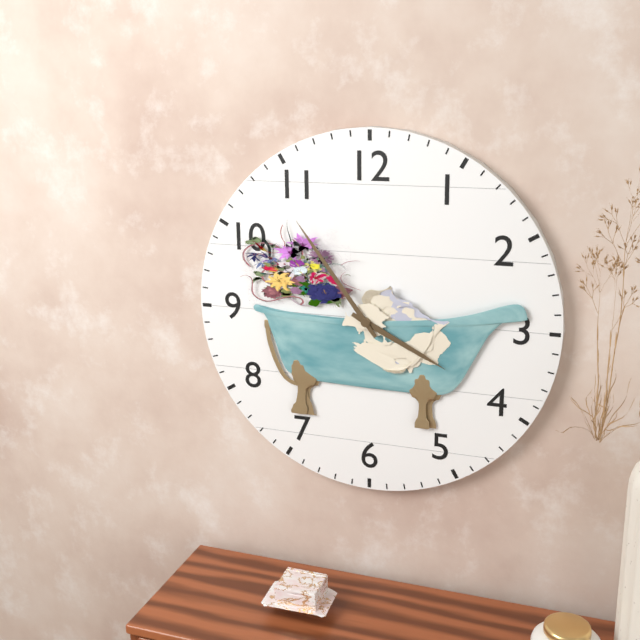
3:54
